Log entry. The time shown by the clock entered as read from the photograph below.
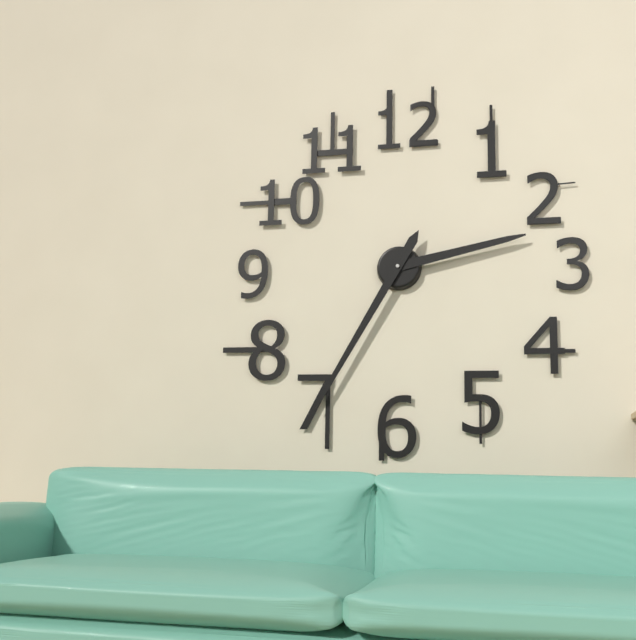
2:35
